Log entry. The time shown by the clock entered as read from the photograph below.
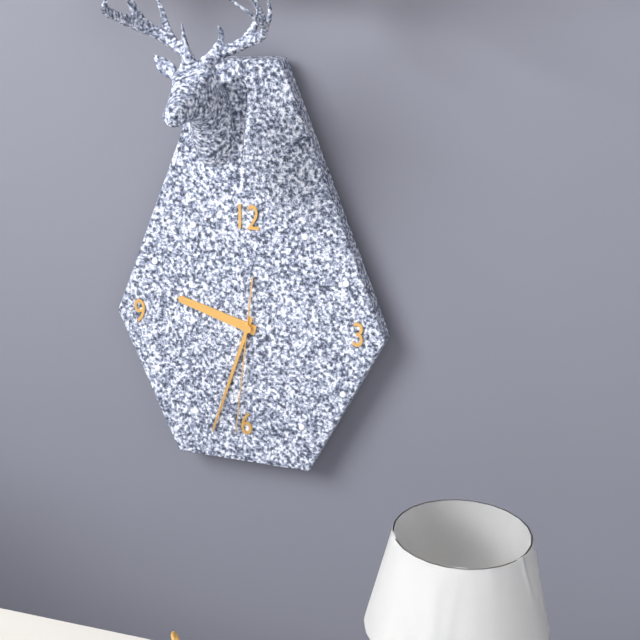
9:33:31
